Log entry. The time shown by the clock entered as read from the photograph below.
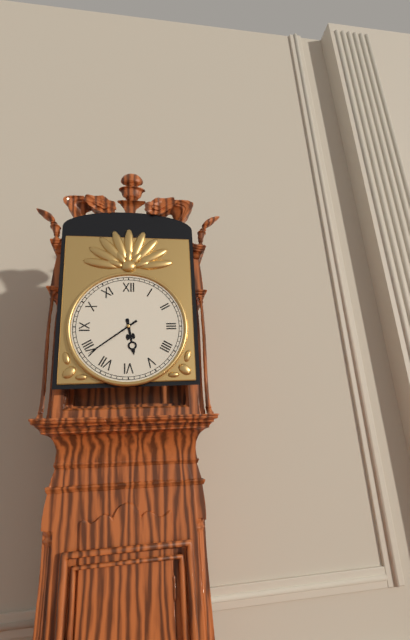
5:39
